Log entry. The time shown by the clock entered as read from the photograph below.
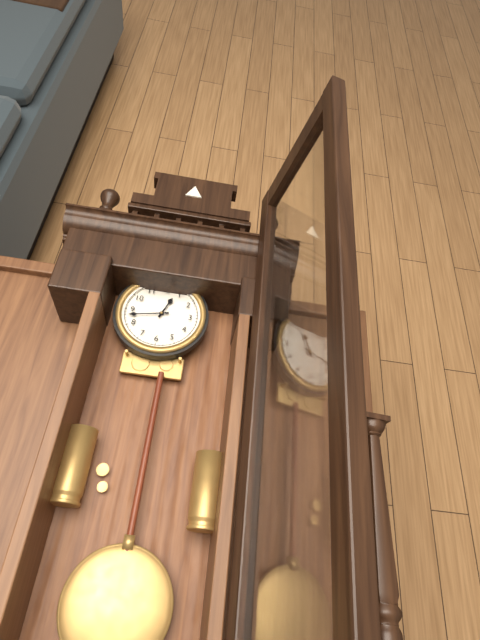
12:43
